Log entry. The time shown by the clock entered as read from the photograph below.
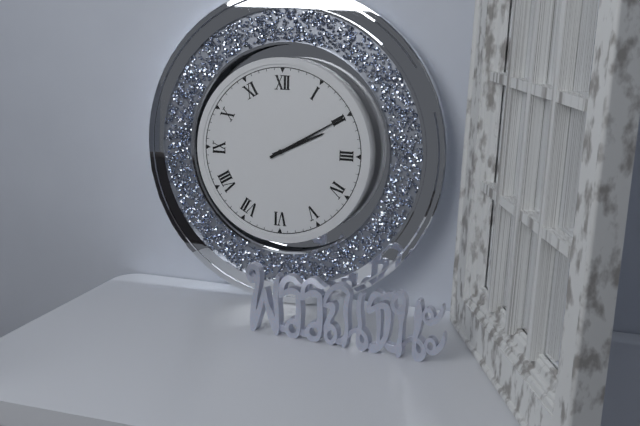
2:10
